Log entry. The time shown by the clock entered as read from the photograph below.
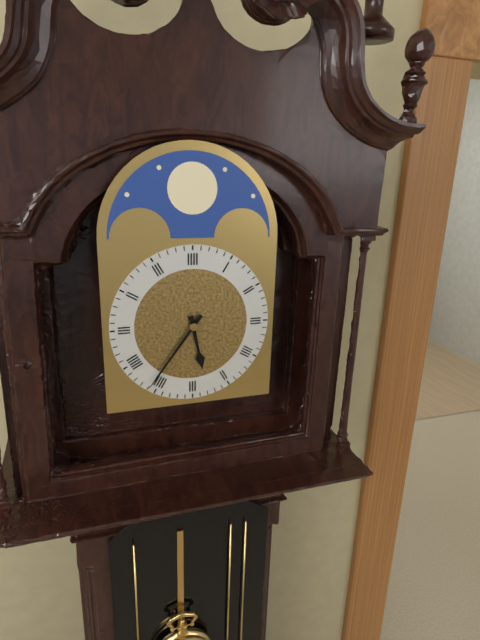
5:36
